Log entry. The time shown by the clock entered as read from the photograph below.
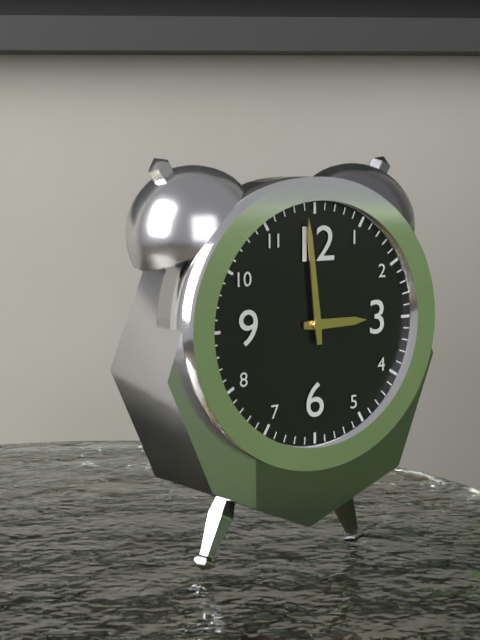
2:59
